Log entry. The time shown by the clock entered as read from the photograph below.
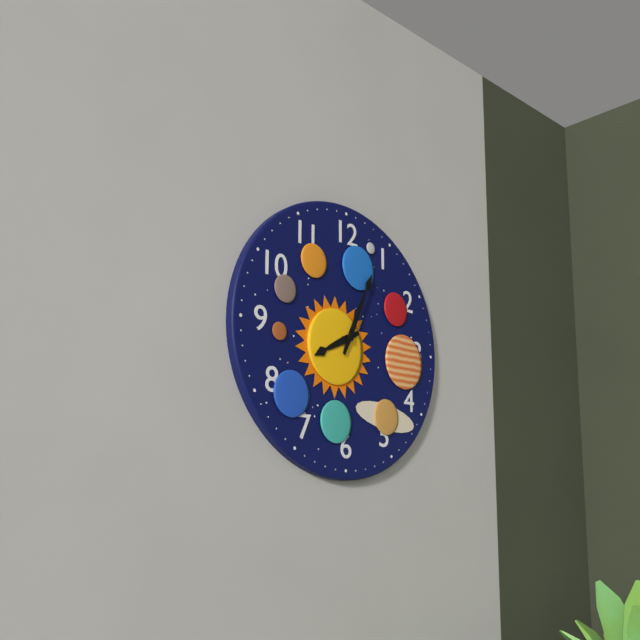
8:04
